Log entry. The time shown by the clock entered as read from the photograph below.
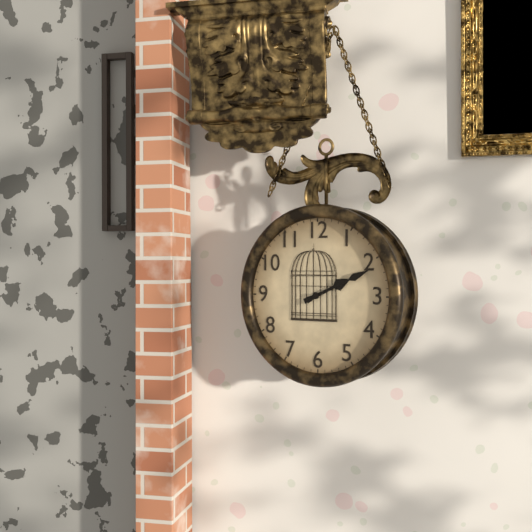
2:11
